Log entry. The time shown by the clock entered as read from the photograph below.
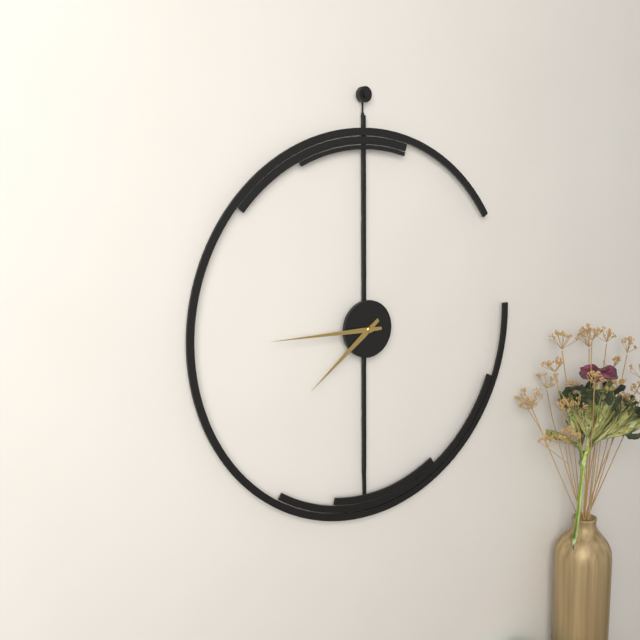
7:45
